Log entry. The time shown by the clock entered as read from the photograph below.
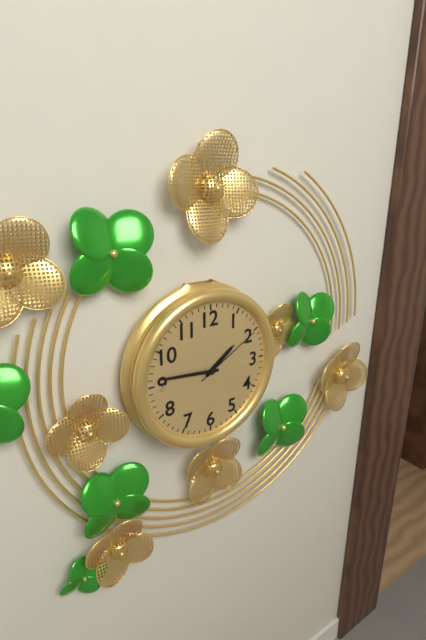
1:46:10
